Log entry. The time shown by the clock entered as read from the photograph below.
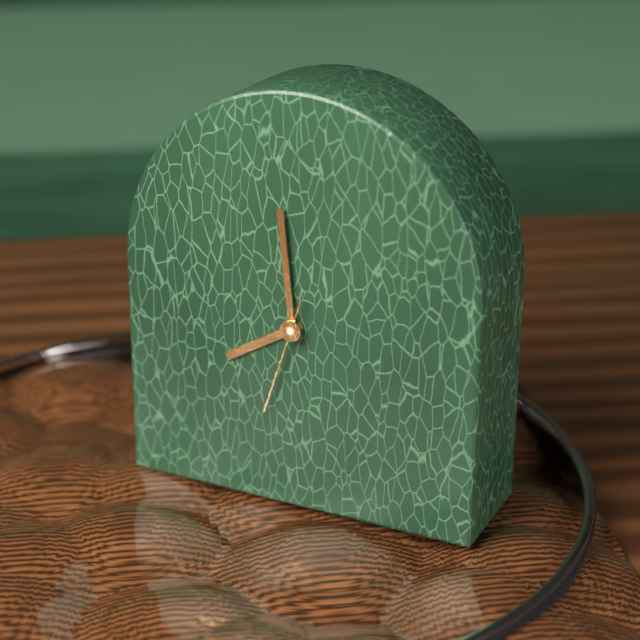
7:59:33
